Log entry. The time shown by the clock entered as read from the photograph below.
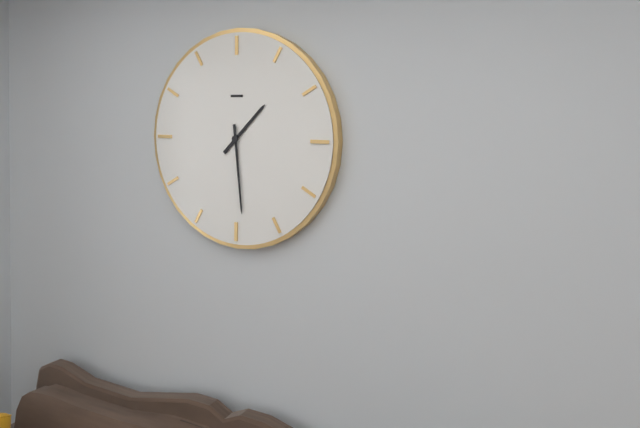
1:29
